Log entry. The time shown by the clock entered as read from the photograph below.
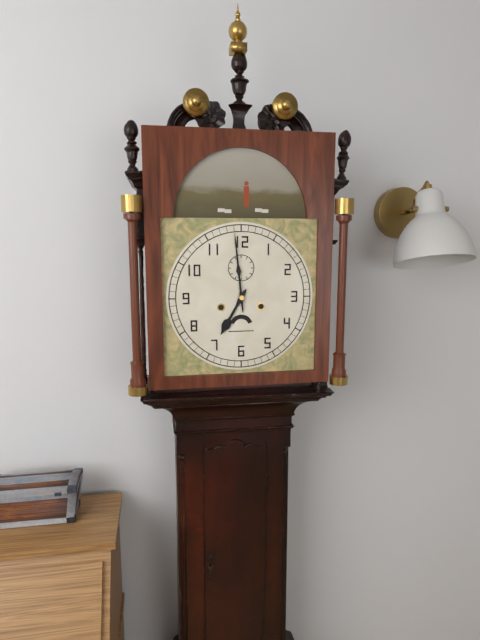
6:59
